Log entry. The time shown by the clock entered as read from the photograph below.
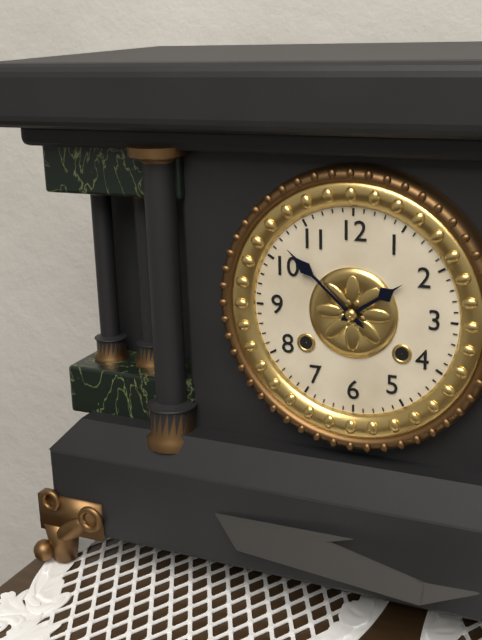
1:52
